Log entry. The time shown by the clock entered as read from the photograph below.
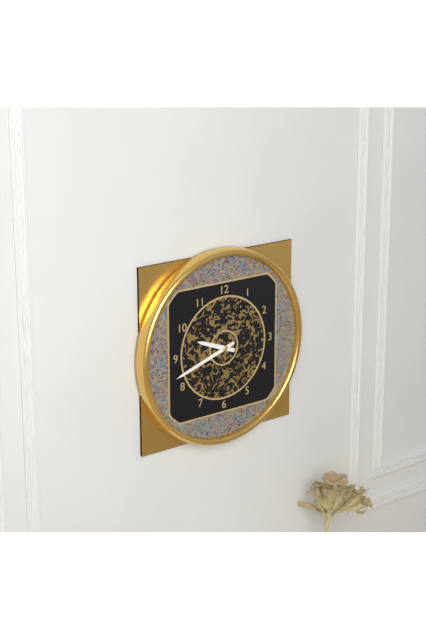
9:42
